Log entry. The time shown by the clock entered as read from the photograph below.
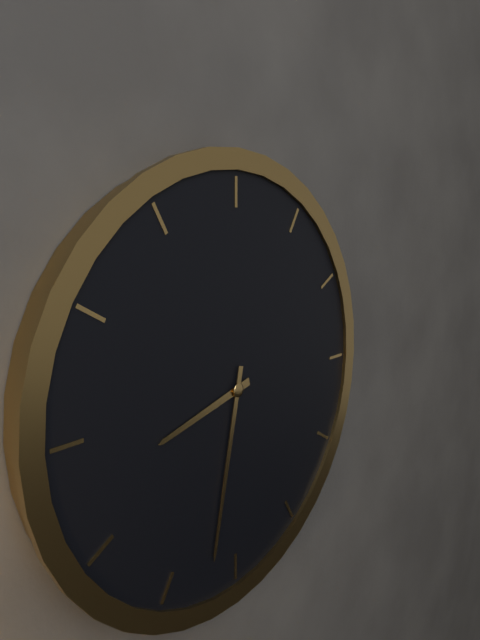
8:32
